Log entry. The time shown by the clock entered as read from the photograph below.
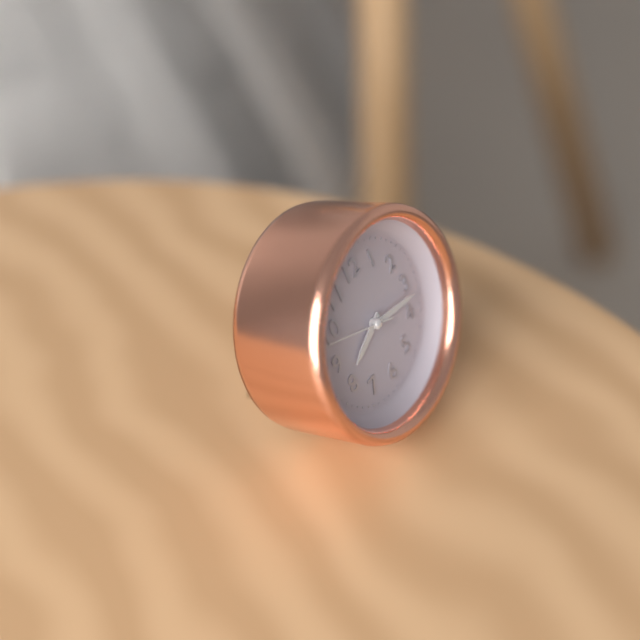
8:17:49
